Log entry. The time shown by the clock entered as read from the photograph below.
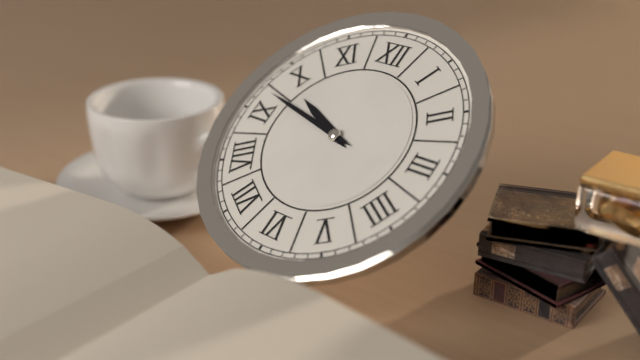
9:47
